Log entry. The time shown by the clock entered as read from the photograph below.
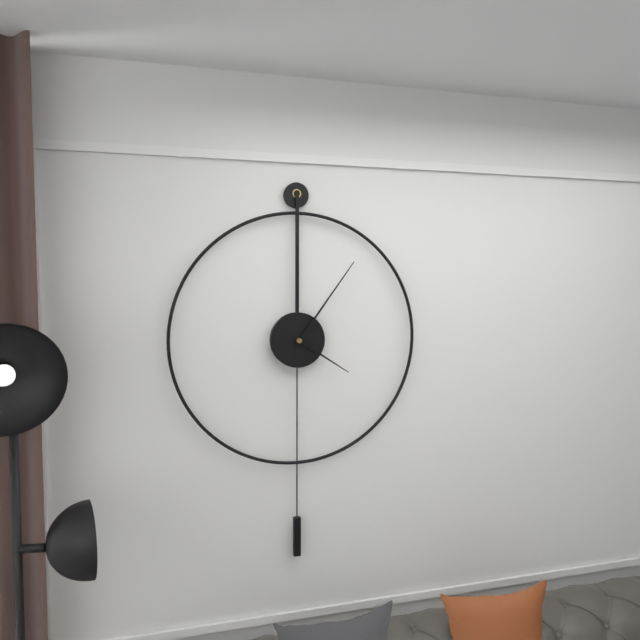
4:06
